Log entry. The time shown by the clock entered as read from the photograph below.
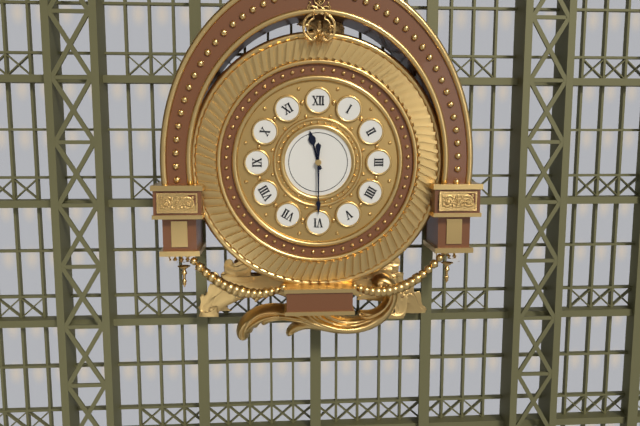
11:30
